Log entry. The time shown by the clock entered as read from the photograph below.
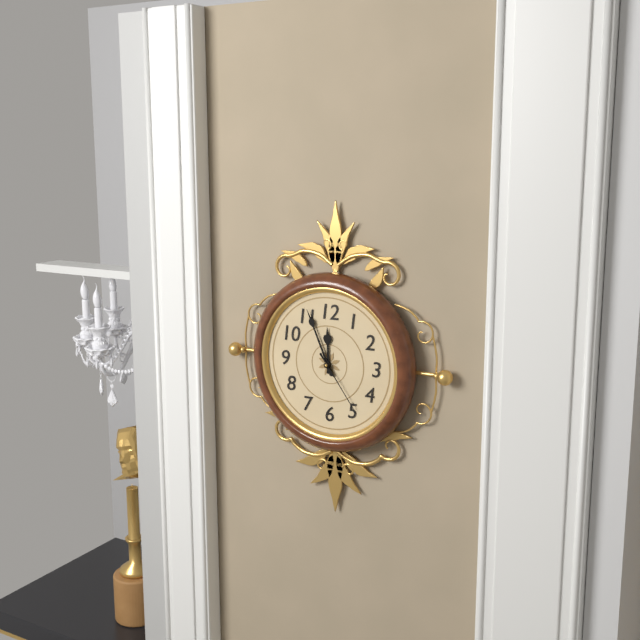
11:56:24
